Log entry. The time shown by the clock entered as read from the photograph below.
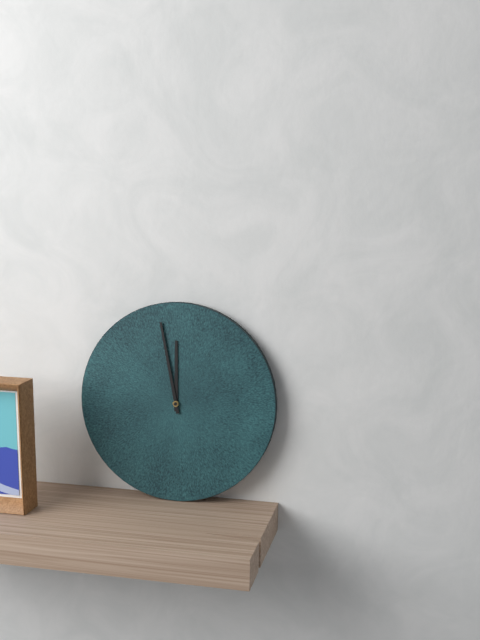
11:58
